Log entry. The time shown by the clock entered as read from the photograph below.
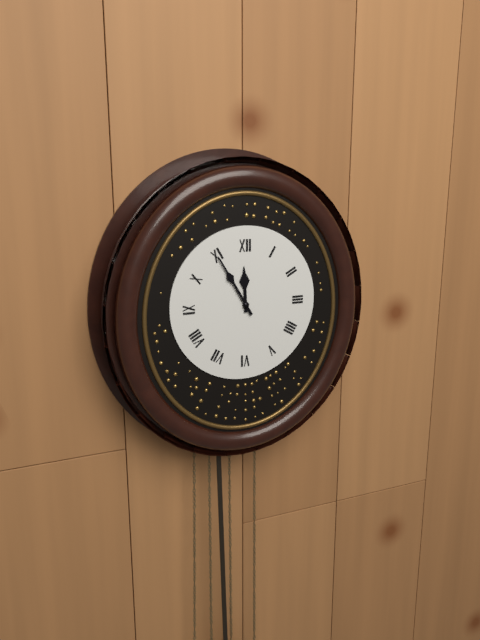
11:55
